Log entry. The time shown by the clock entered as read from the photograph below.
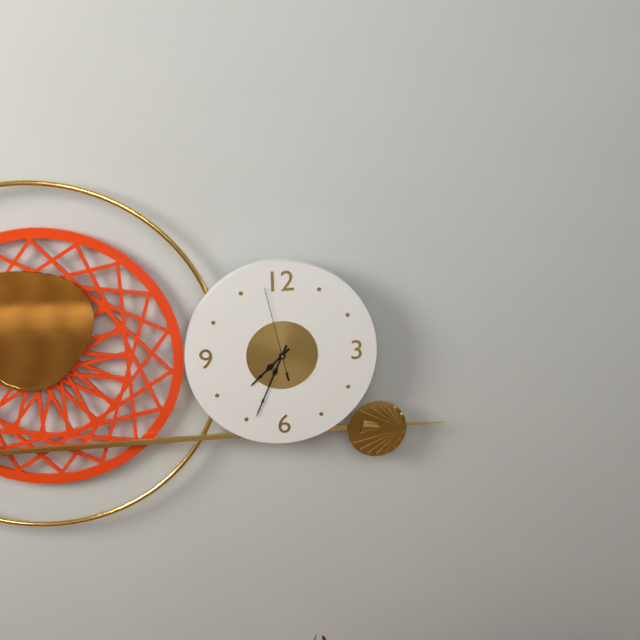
7:34:58
